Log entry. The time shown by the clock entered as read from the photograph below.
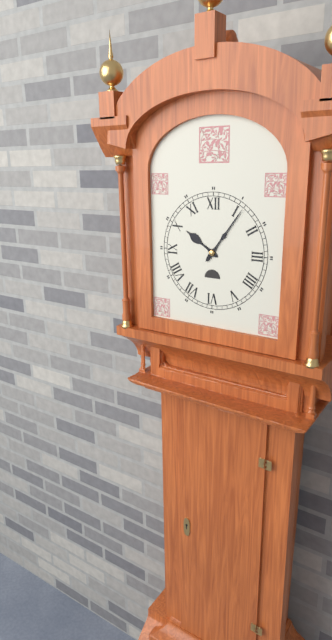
10:06
